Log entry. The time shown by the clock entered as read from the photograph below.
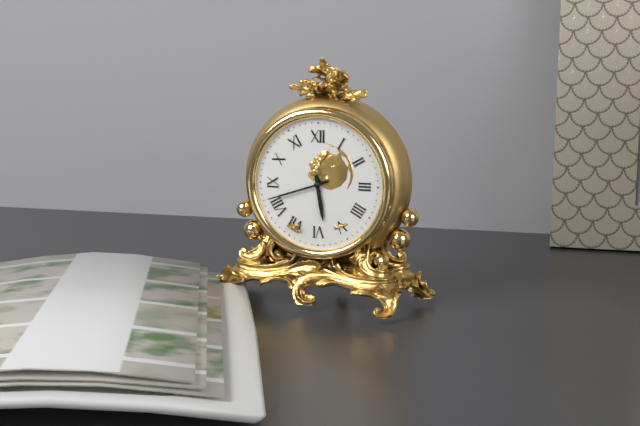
5:42
